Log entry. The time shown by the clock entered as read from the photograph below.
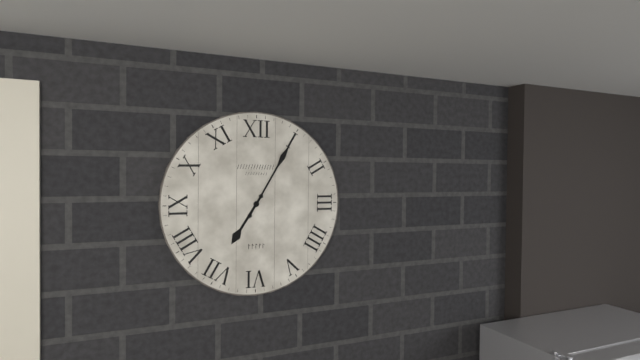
7:05
